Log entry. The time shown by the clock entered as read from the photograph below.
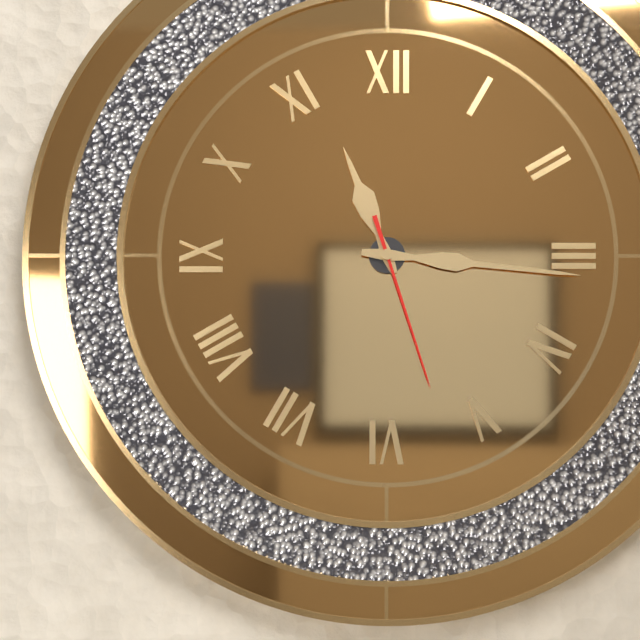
11:16:27
